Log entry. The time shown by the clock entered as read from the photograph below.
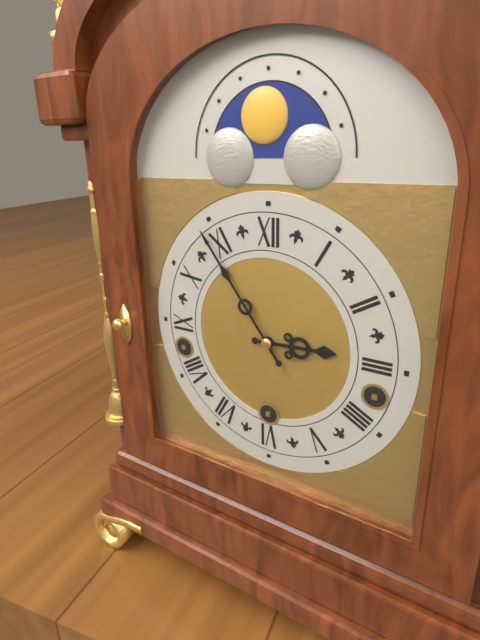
2:54
